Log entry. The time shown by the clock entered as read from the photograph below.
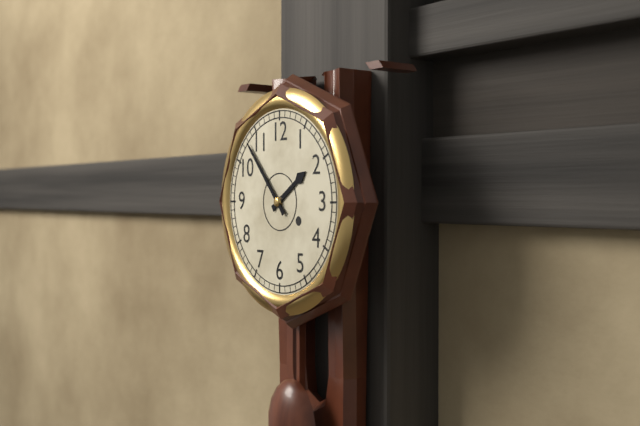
1:53
